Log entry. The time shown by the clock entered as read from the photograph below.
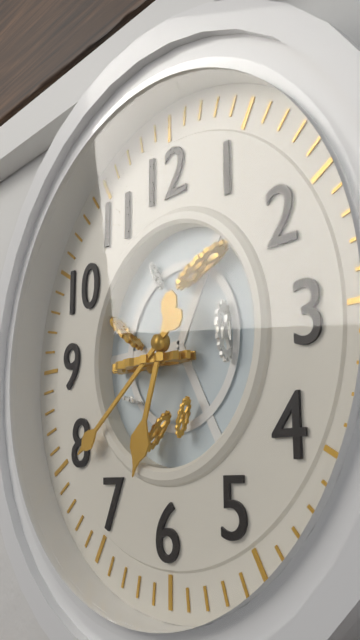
6:39
